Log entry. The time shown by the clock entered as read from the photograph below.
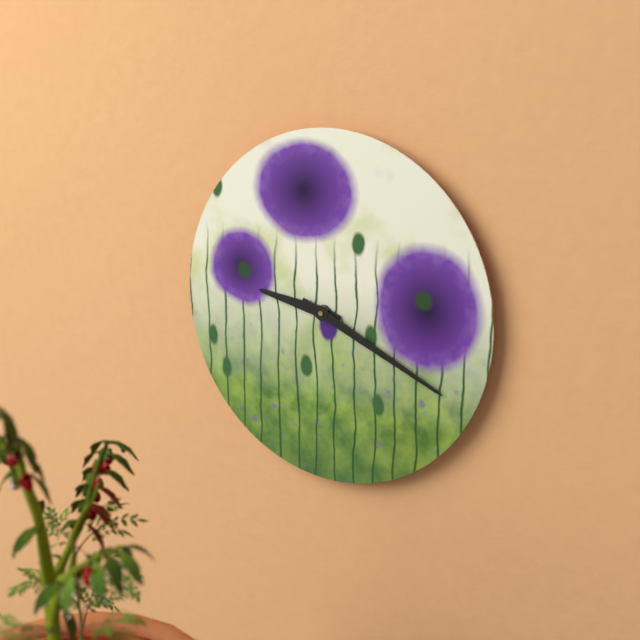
9:19
